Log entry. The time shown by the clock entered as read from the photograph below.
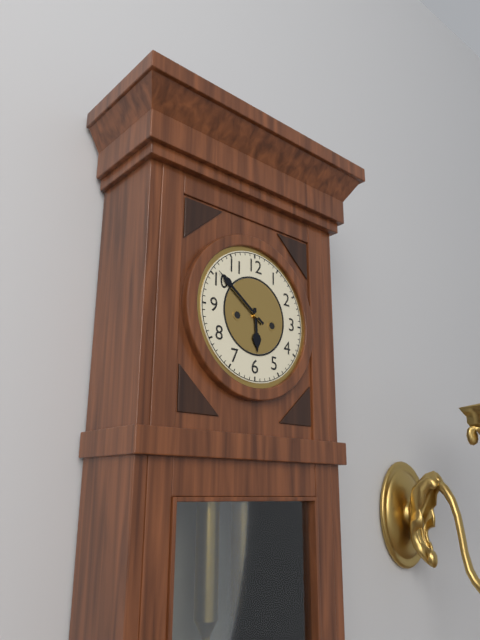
5:51
